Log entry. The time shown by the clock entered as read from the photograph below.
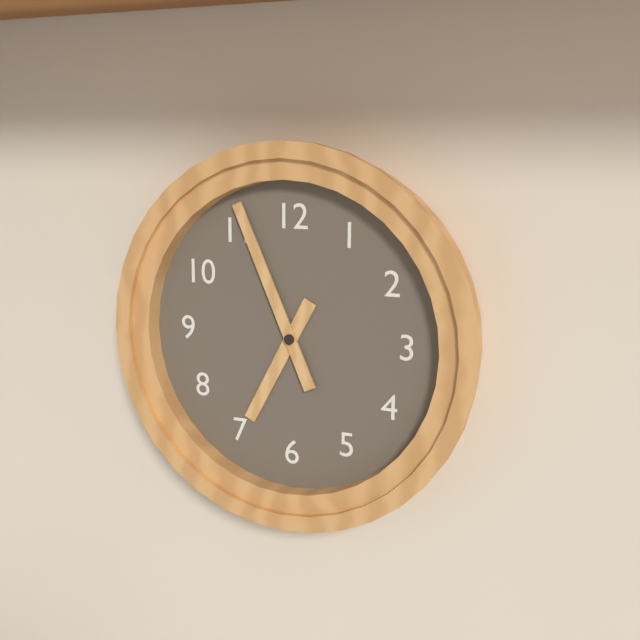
6:56
